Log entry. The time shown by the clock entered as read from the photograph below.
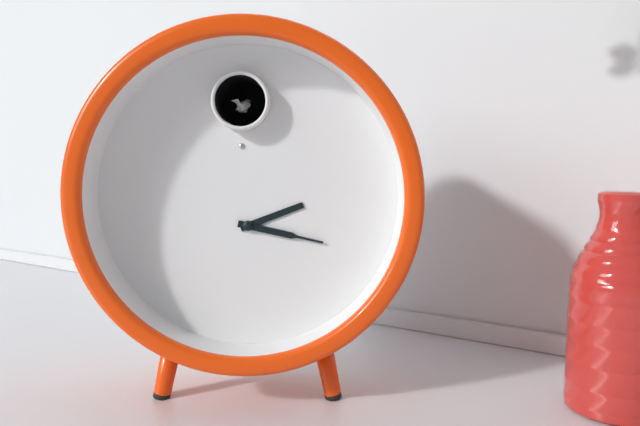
2:17
